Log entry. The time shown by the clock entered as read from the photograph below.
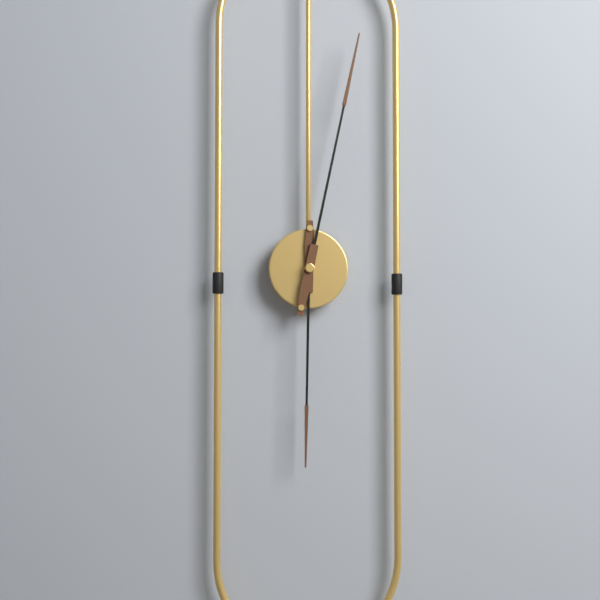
6:02
